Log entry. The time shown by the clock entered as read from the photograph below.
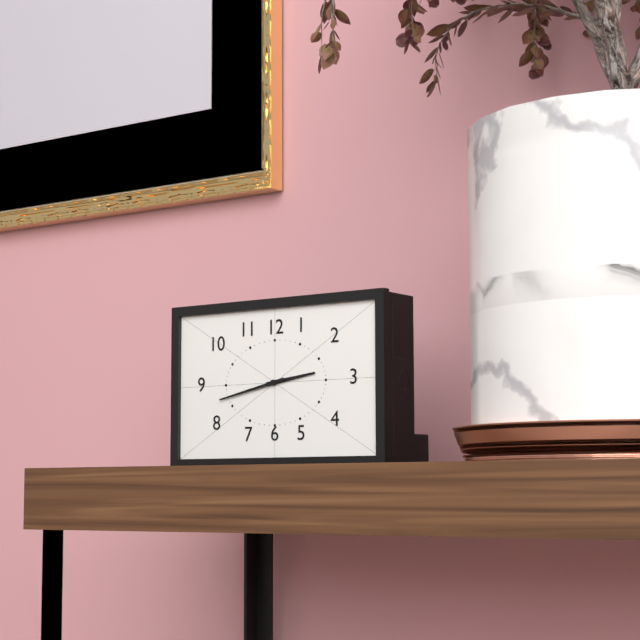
2:43
